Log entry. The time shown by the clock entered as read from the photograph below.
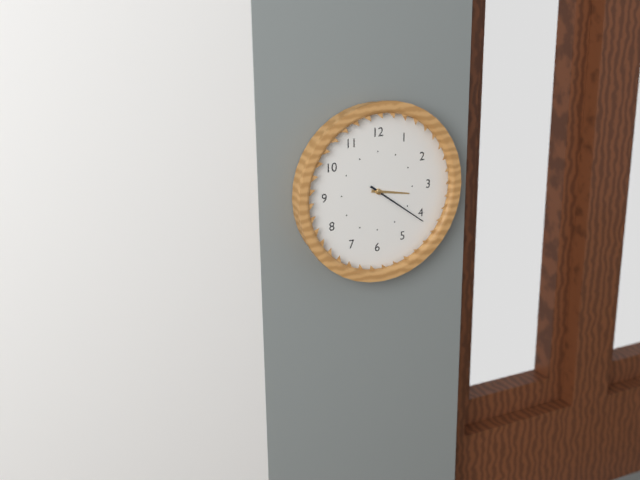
3:21
